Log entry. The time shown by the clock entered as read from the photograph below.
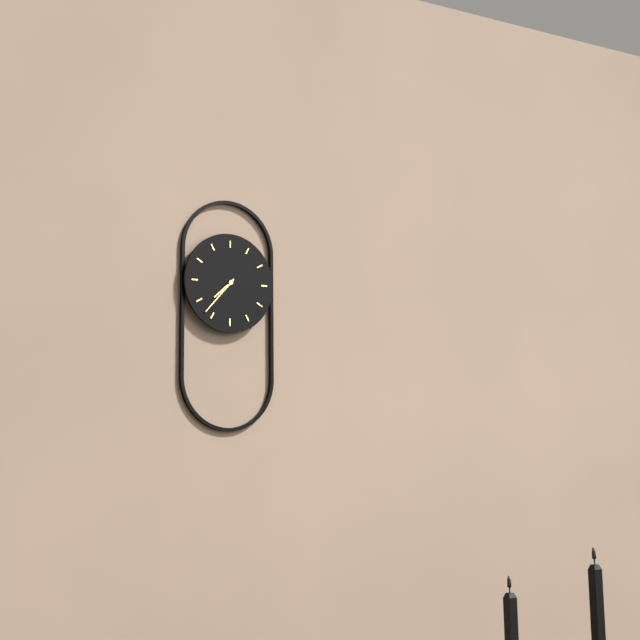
7:37
